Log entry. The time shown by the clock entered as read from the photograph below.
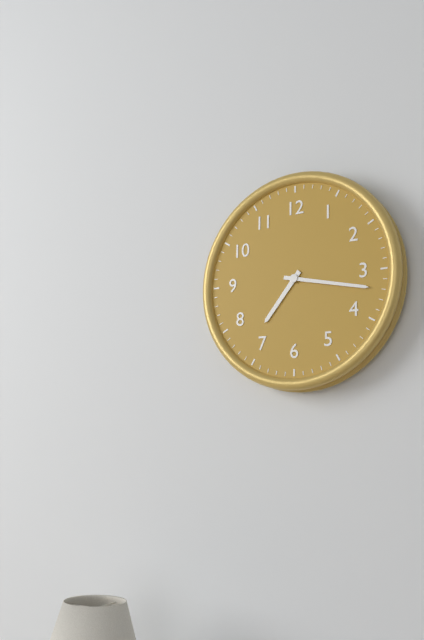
7:17
